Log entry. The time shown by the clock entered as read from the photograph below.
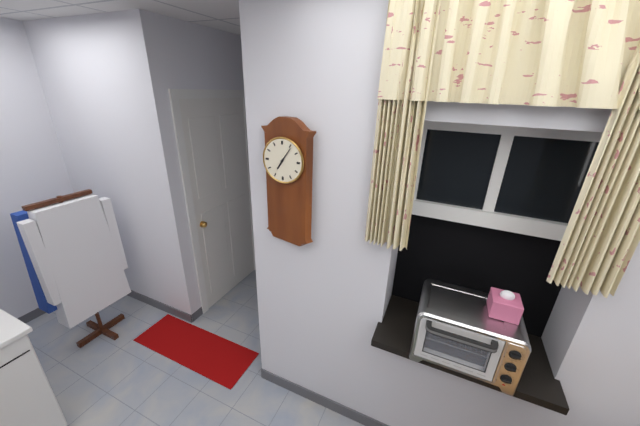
7:06
